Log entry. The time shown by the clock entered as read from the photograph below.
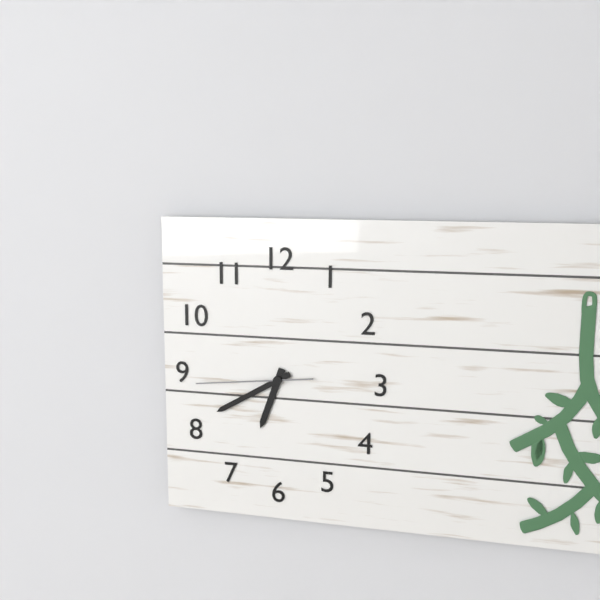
6:40:44
